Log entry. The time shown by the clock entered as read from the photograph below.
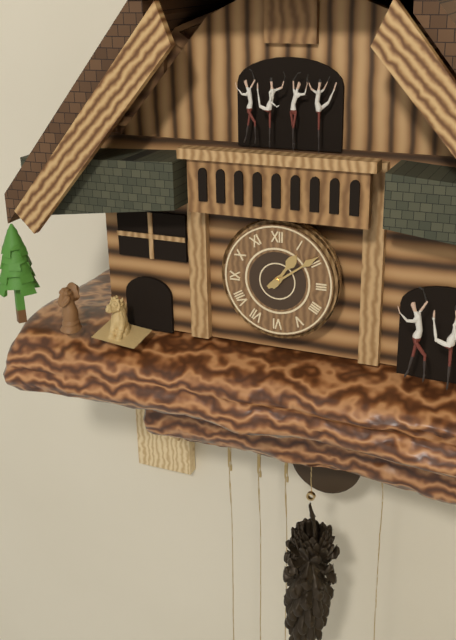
1:09
